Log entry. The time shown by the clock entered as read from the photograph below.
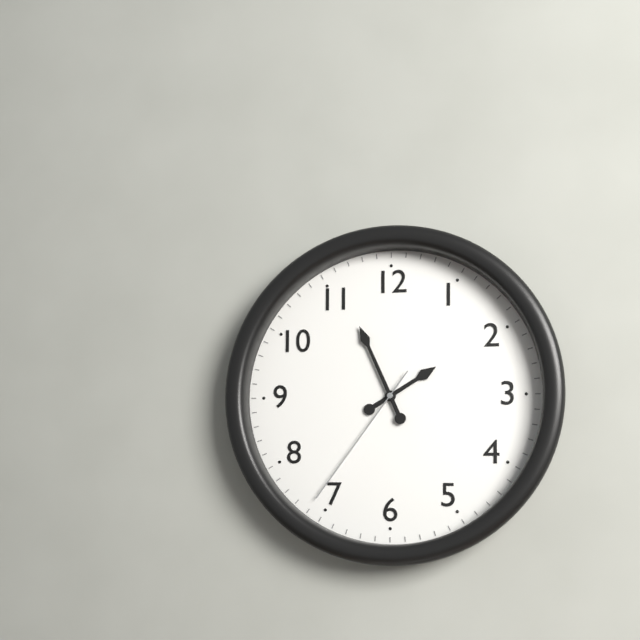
1:56:36
